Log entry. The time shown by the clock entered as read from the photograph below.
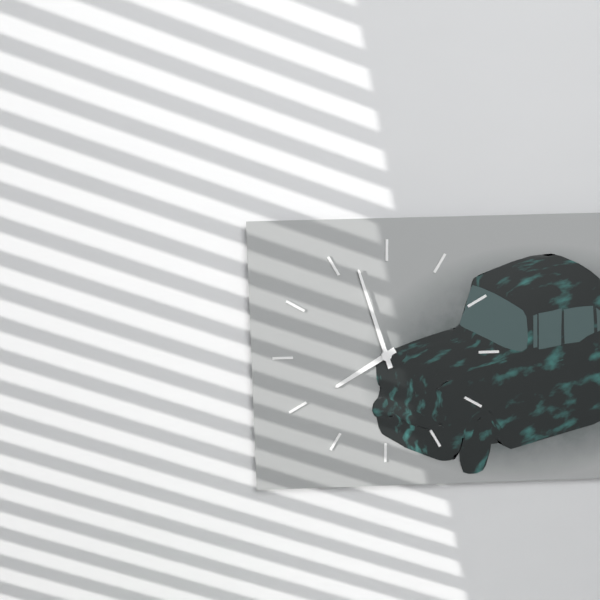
7:57
